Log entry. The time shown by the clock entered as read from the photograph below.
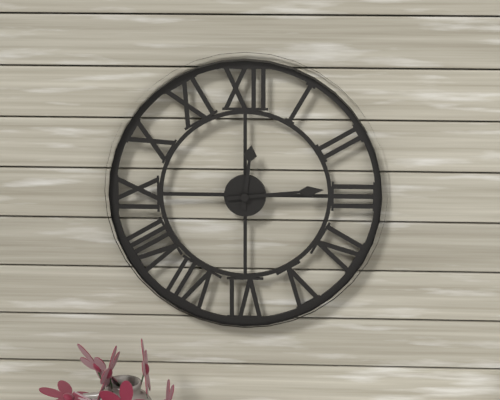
12:14
